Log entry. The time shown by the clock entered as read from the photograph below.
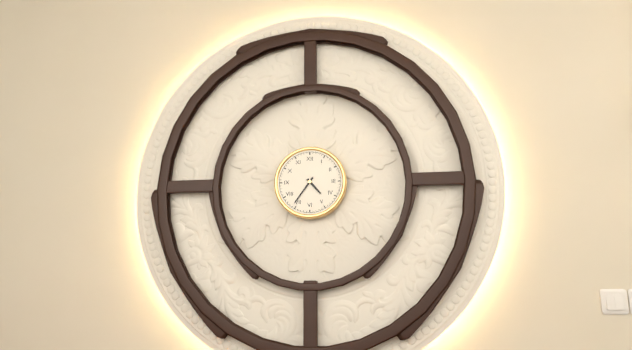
4:36
